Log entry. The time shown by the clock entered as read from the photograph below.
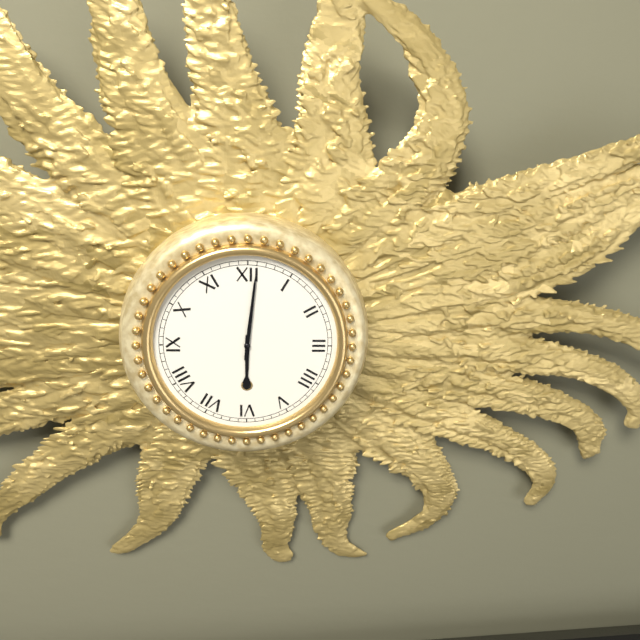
6:01
